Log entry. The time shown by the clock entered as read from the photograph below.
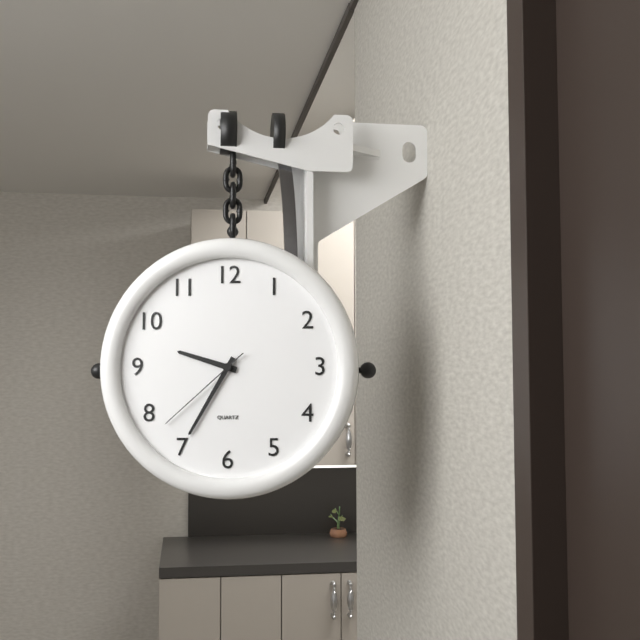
9:35:38
